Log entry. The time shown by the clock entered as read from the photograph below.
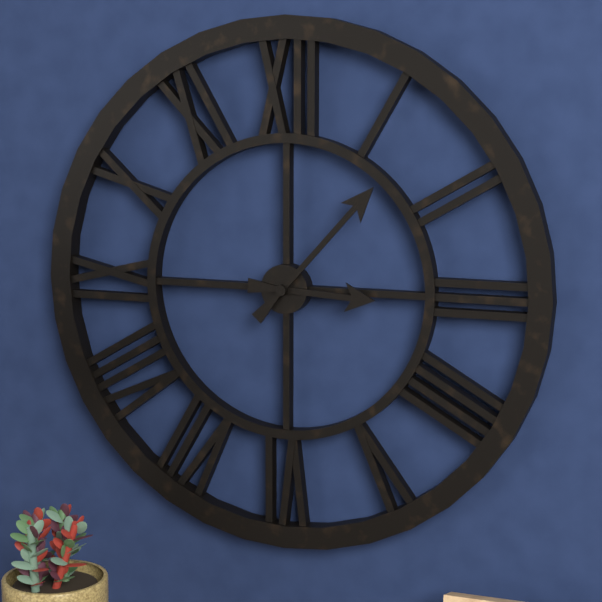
3:07
